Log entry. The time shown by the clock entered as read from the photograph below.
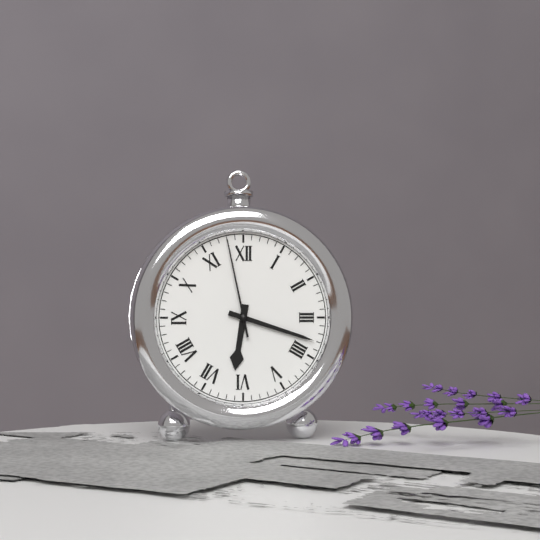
6:18:58
